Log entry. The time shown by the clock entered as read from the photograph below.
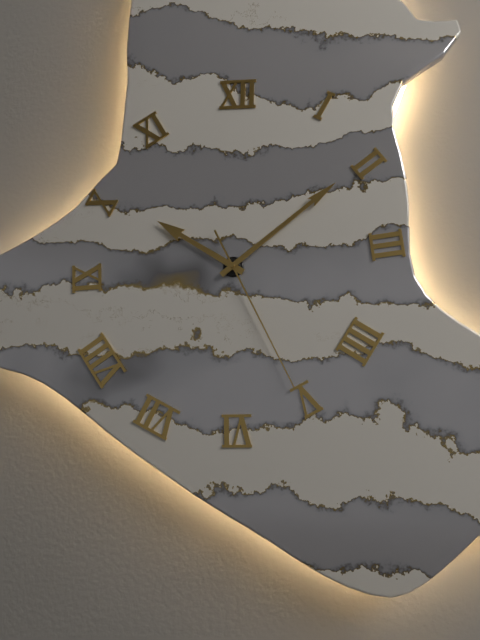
10:09:26
